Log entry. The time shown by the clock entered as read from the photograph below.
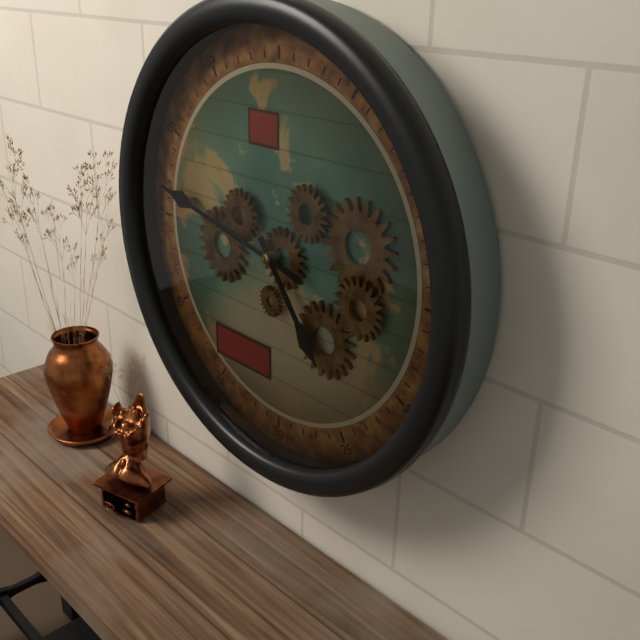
4:47
